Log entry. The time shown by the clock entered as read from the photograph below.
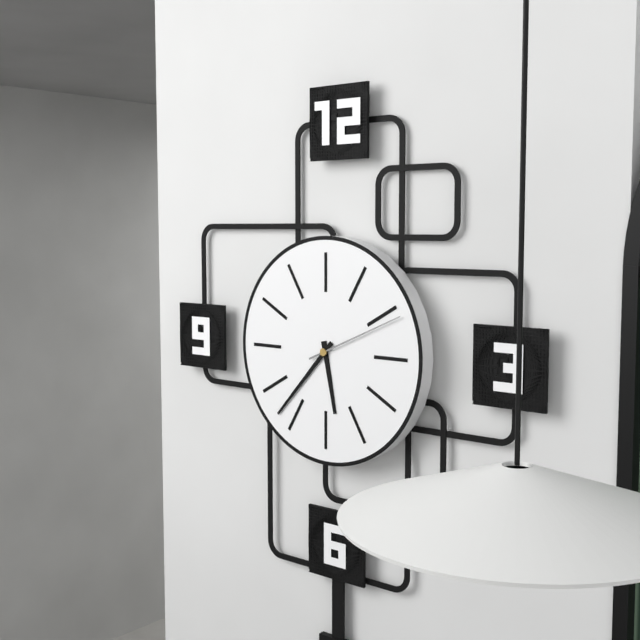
5:37:11
